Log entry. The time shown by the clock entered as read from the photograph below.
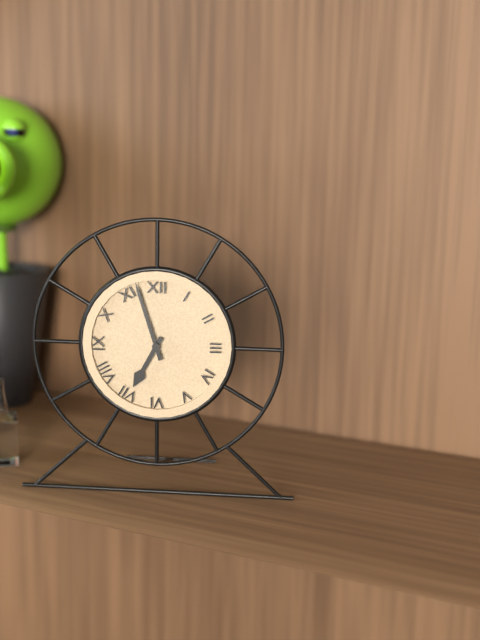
6:57
